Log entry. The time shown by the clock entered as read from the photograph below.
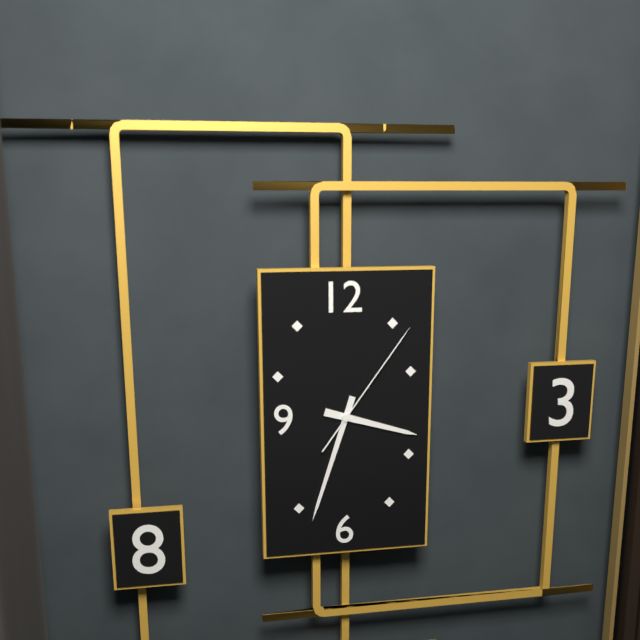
3:33:06
